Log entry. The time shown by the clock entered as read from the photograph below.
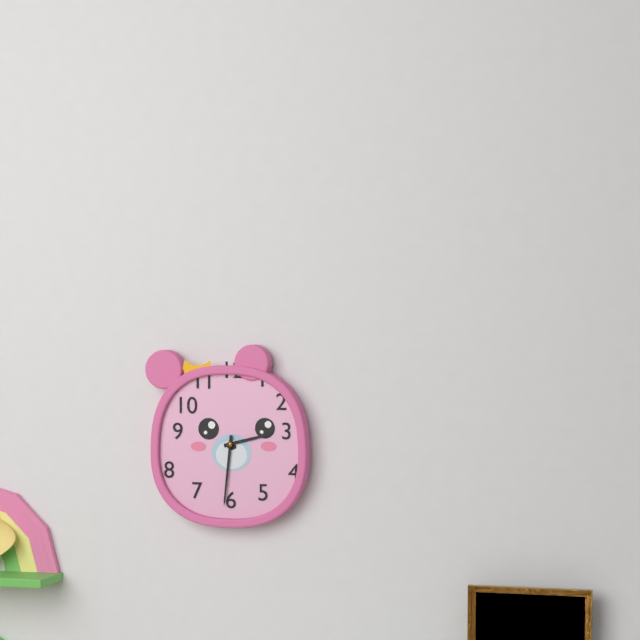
2:31
